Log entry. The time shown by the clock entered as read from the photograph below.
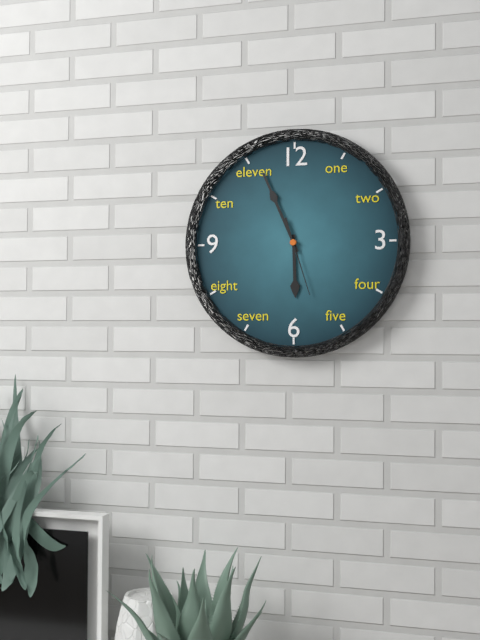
5:56:27
